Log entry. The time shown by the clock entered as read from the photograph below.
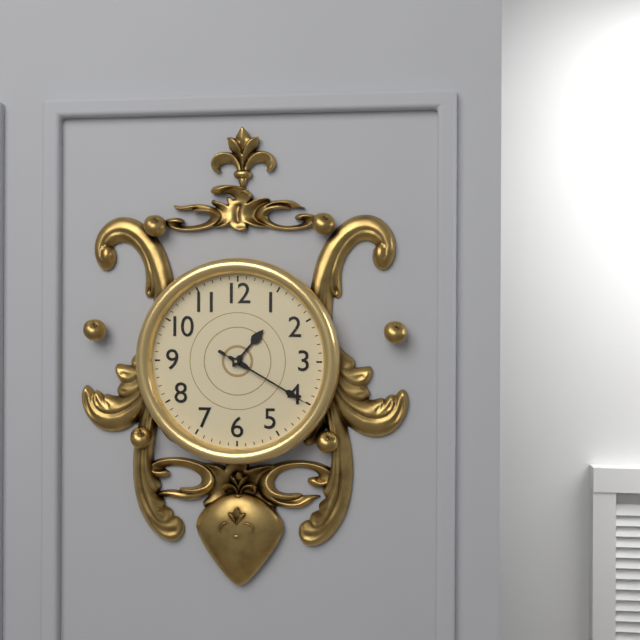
1:20:20
